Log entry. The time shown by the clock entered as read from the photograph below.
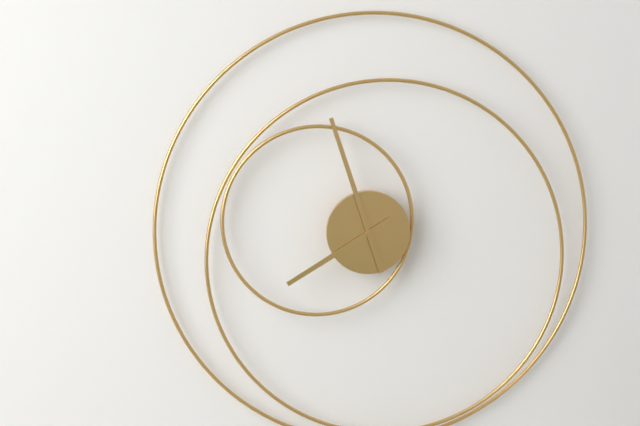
7:57
